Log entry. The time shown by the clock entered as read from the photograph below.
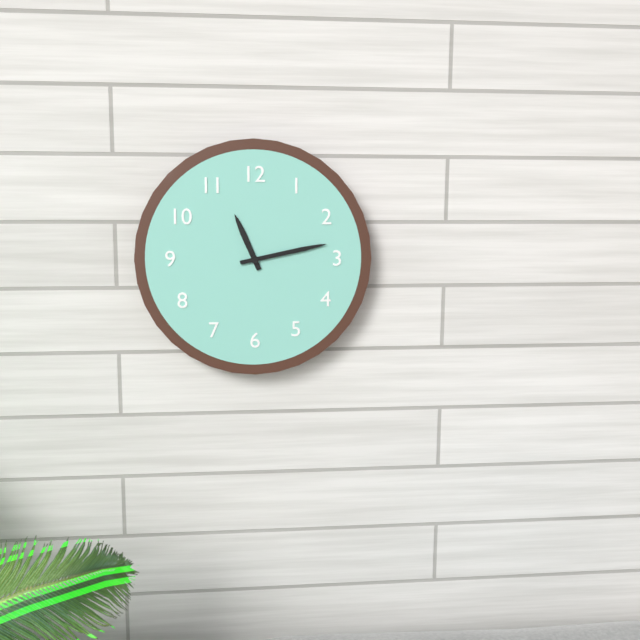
11:13
